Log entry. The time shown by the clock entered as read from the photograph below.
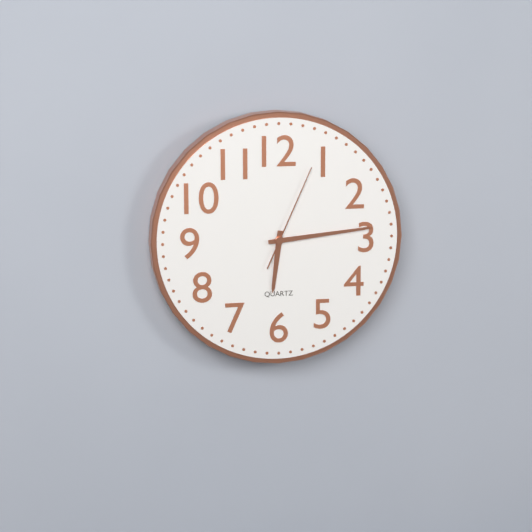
6:14:04
